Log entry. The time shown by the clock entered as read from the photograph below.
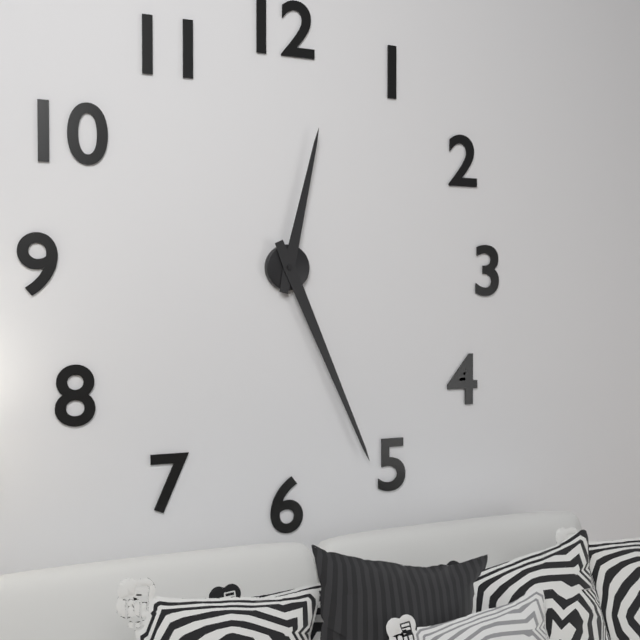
12:26
